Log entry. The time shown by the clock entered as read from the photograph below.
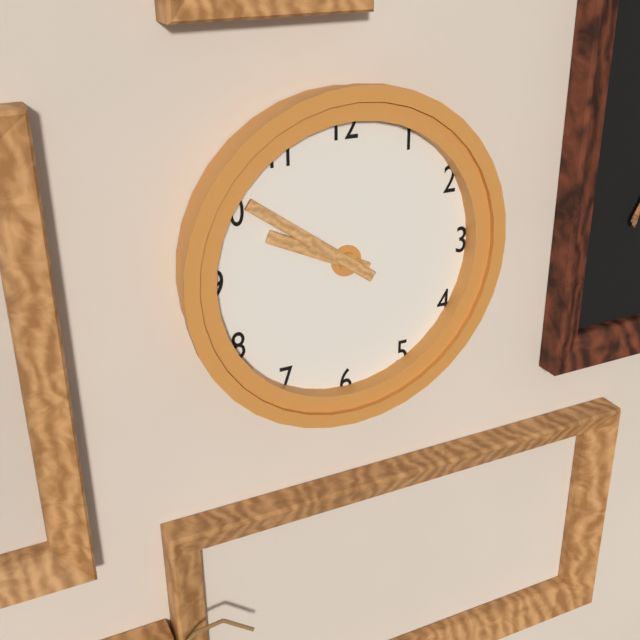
9:51
